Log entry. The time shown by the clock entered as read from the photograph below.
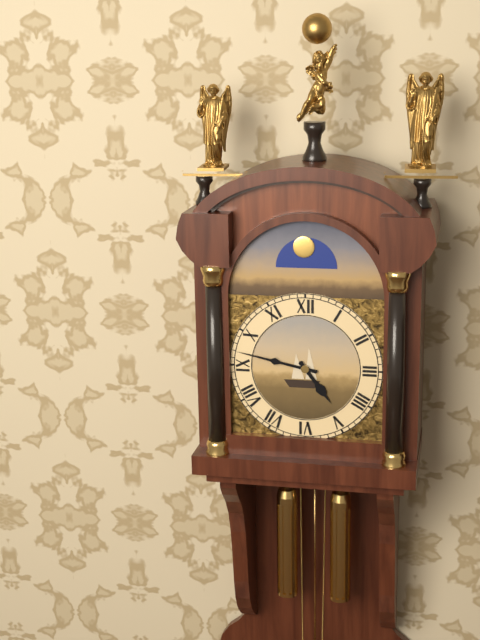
4:47
